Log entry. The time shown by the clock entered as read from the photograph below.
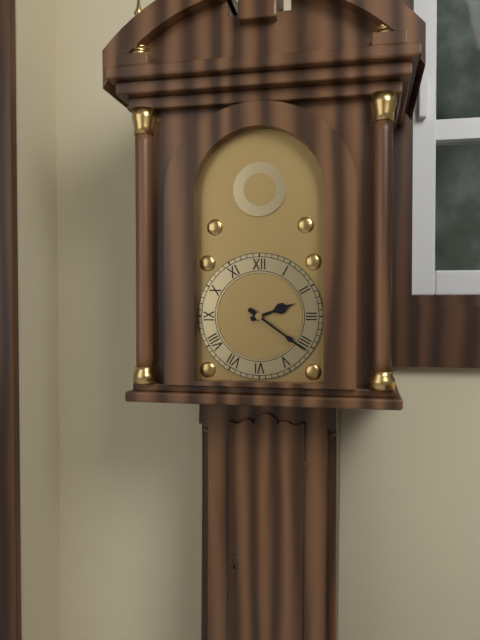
2:21
